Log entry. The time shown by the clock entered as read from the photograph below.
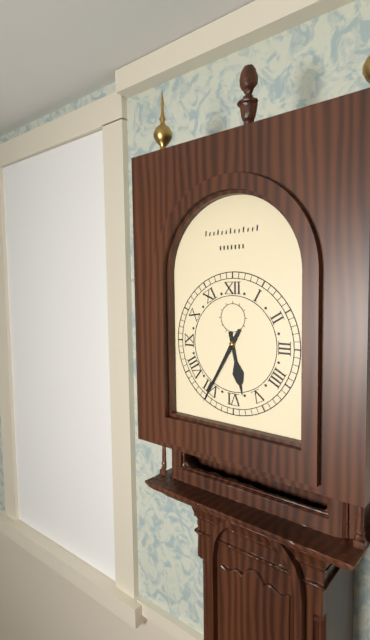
5:35
